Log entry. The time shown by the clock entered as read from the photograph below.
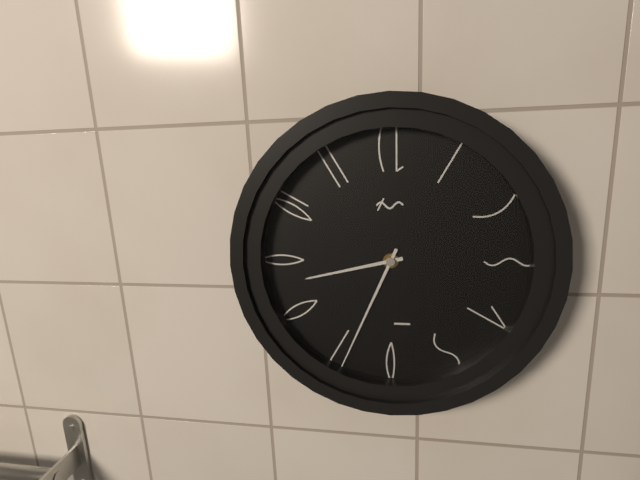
8:34
